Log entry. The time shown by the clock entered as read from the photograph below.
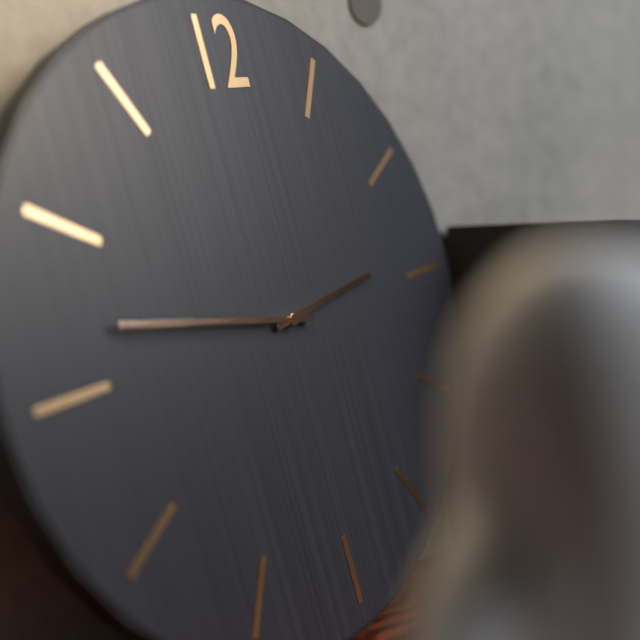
2:47
